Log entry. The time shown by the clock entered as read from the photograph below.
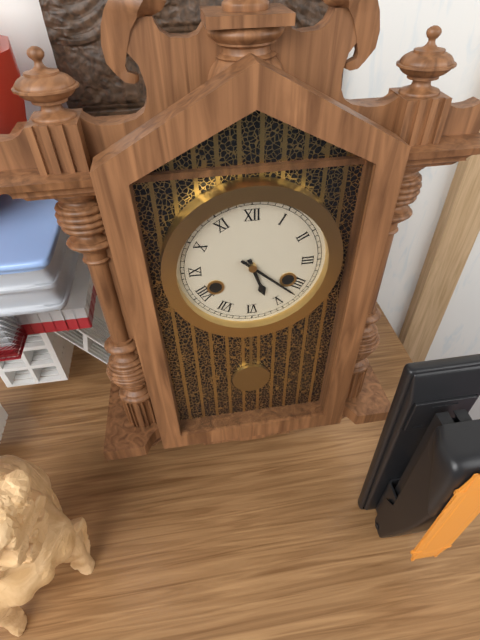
5:22
